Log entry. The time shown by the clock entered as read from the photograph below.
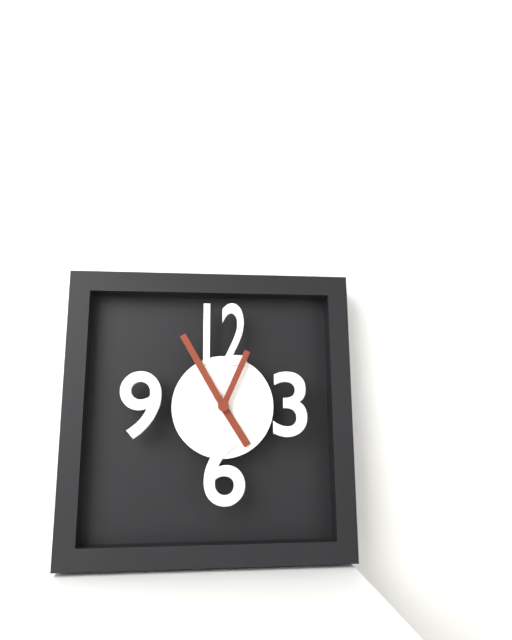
4:55:04
